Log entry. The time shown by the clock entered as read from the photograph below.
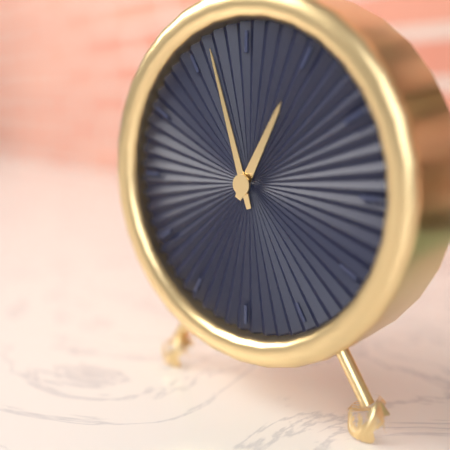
12:57
